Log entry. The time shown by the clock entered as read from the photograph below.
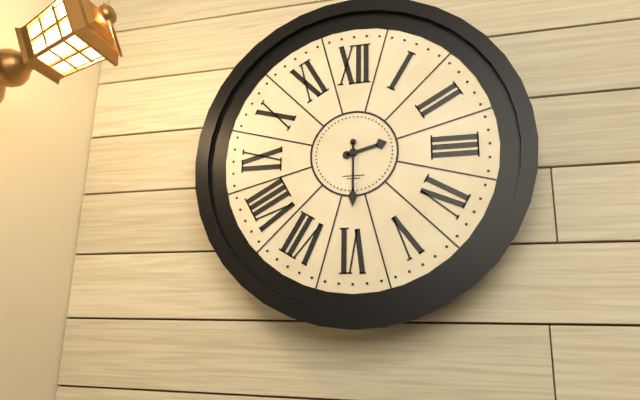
2:30
